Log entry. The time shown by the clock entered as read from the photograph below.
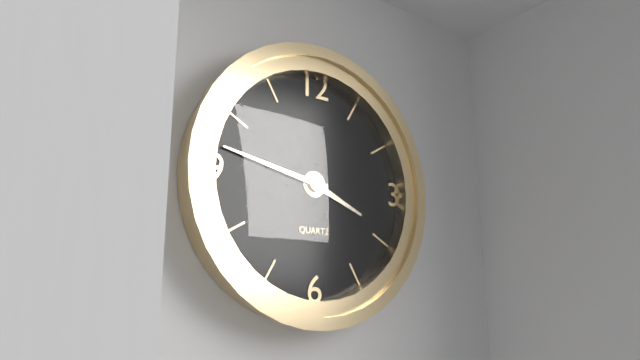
3:47
